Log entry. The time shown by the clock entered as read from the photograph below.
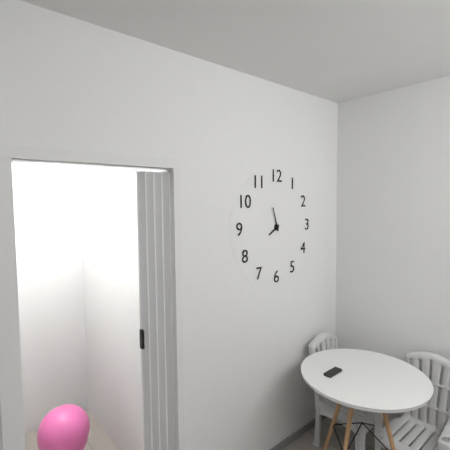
7:57
